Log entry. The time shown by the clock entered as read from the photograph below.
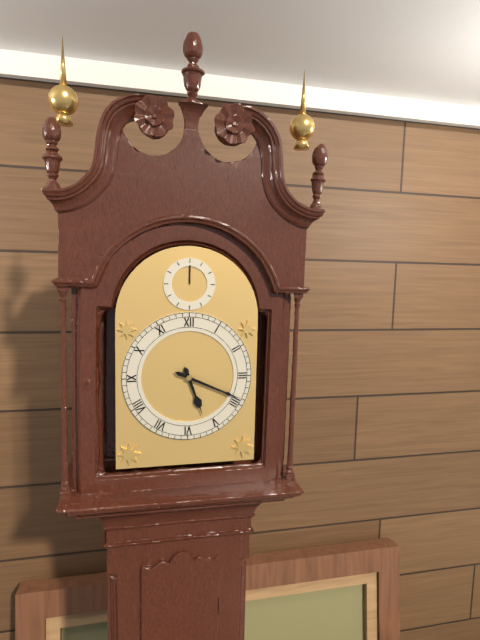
5:19
